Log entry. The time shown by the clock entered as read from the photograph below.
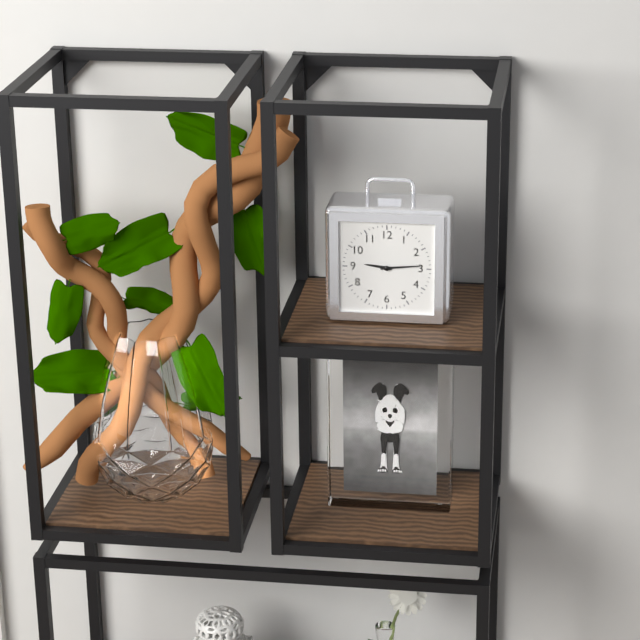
9:14
